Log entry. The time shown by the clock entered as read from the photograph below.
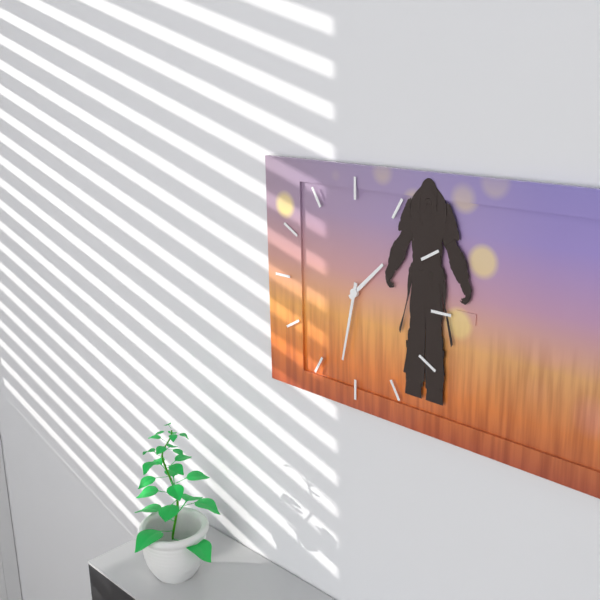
1:32
